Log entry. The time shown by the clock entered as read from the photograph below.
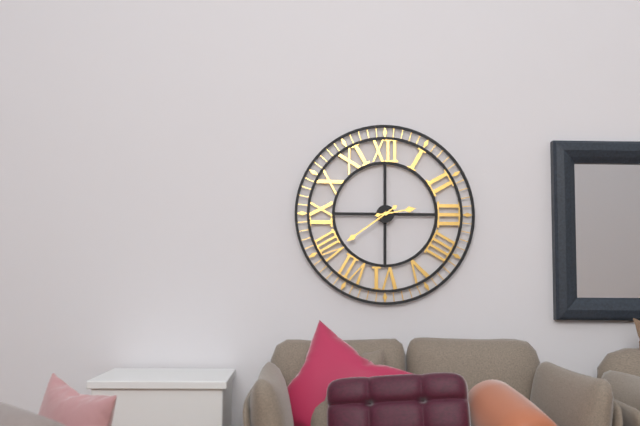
2:39
